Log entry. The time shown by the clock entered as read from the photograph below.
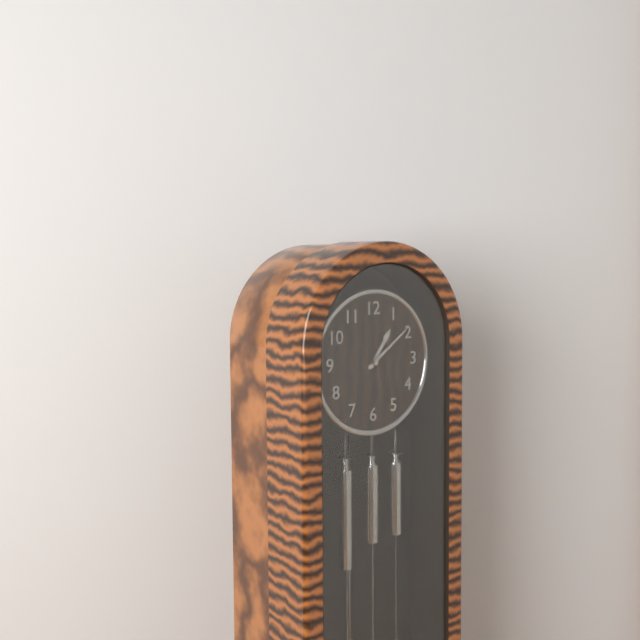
1:09
